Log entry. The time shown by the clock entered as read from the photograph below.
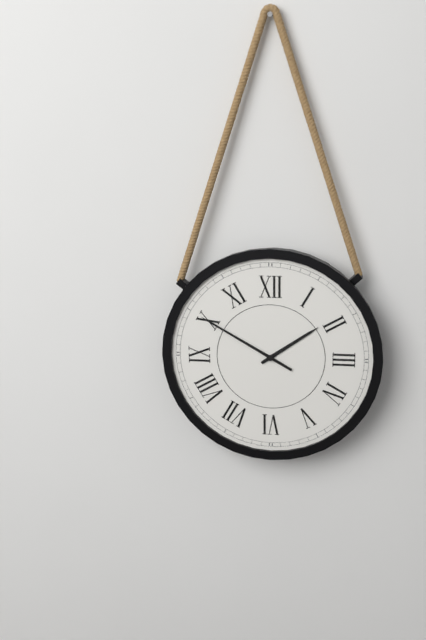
1:50
